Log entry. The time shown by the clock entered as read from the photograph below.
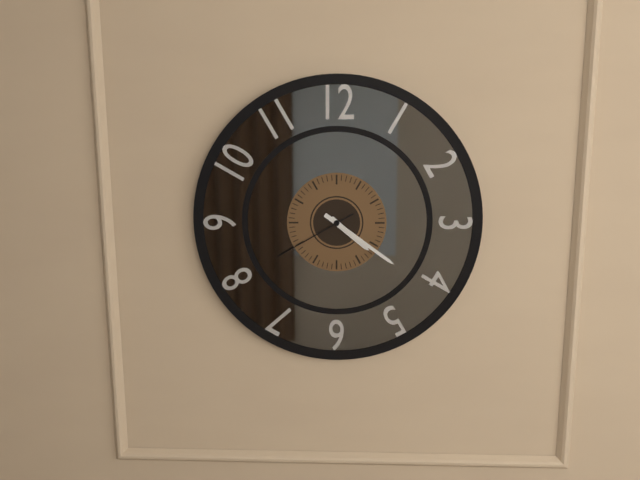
4:21:40
